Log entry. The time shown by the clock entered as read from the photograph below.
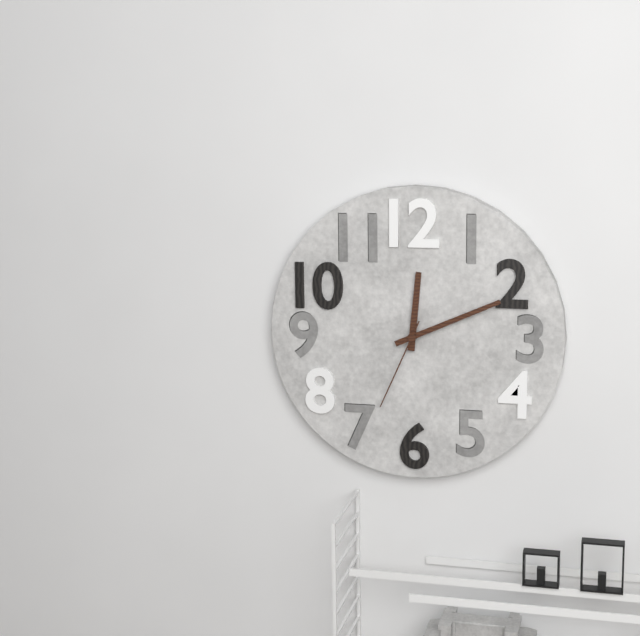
12:11:34
